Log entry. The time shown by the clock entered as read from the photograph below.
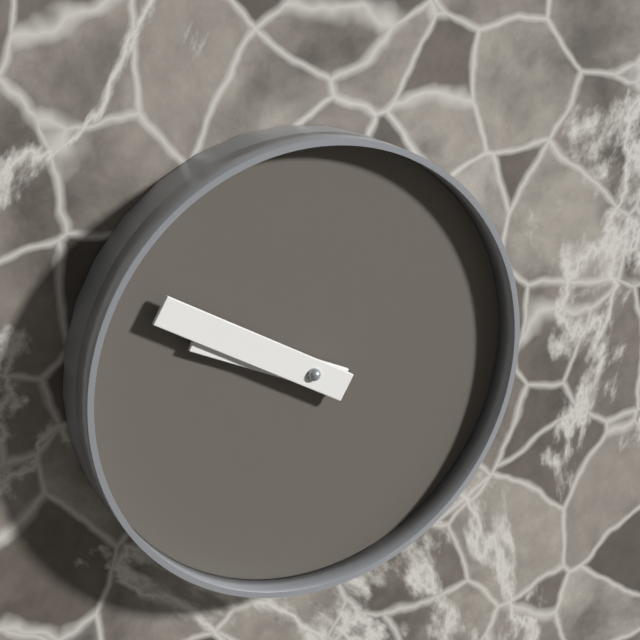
9:50
